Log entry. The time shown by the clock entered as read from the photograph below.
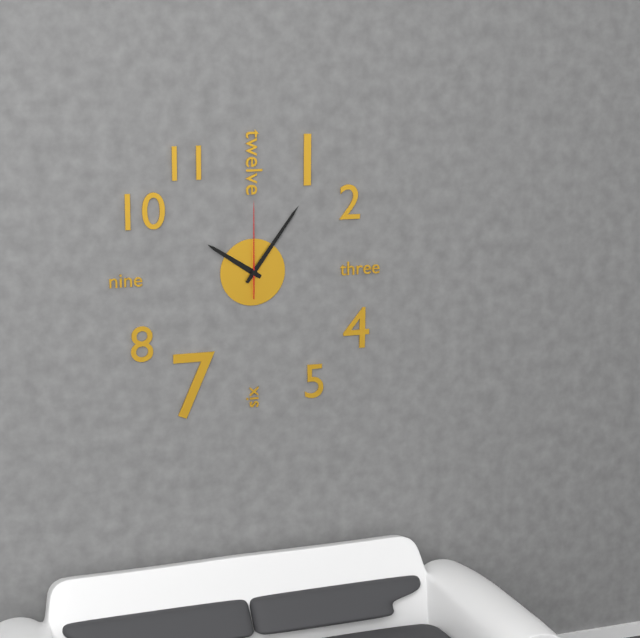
10:06:00
